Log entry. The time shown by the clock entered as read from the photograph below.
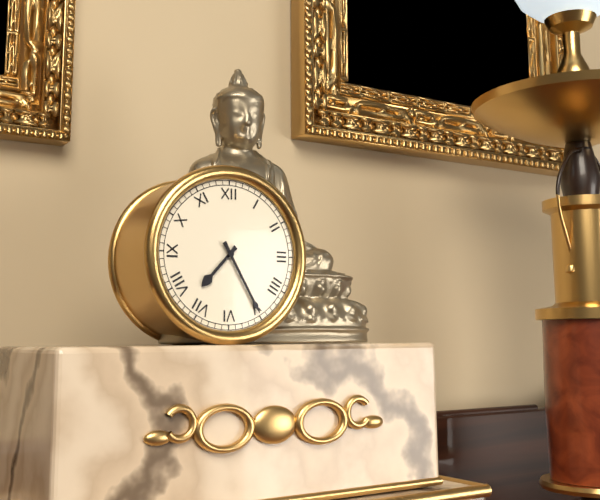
7:25
